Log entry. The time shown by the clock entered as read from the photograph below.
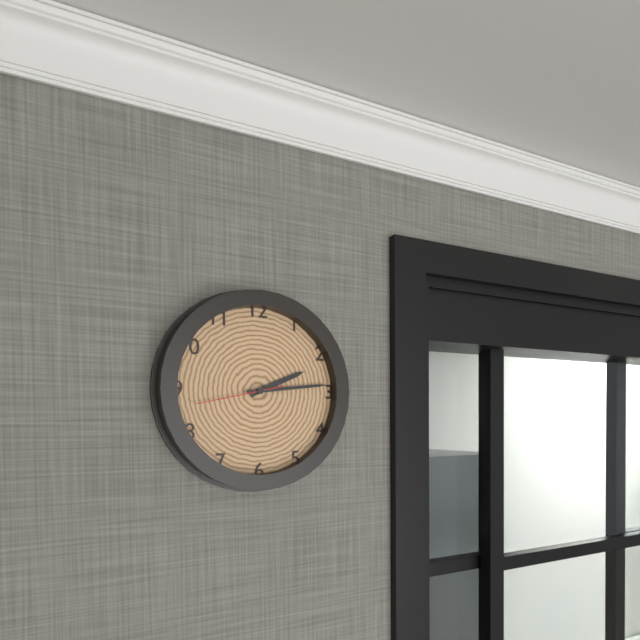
2:14:43
